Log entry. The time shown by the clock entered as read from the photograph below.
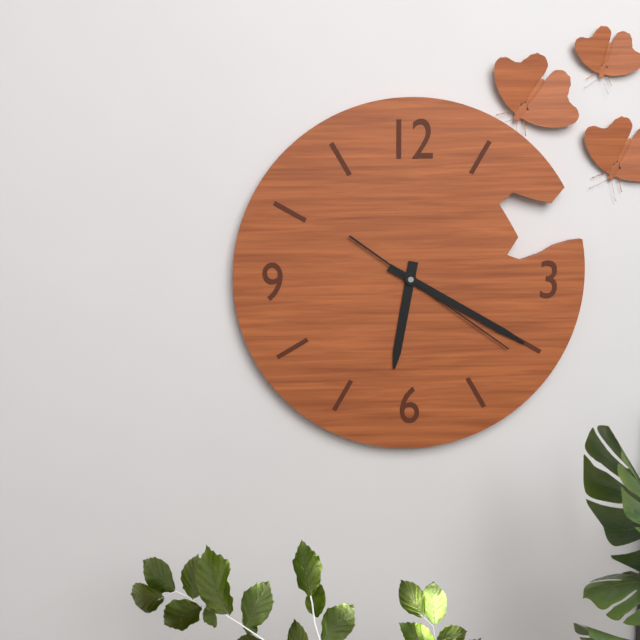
6:20:21
